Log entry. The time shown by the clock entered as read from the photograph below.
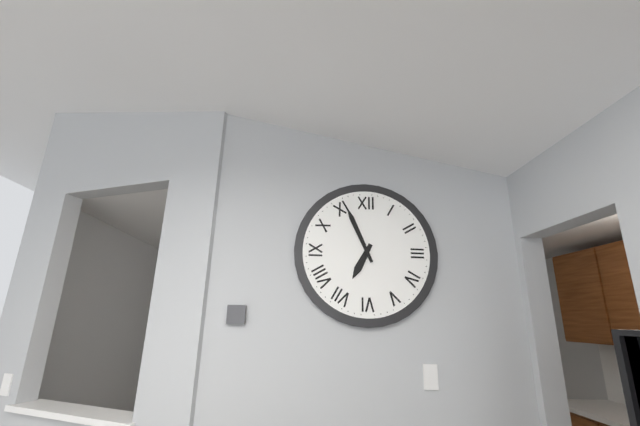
6:56
